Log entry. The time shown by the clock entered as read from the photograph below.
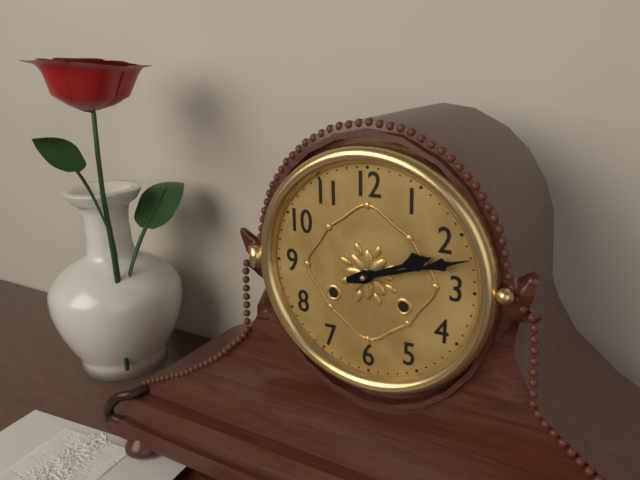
2:12
